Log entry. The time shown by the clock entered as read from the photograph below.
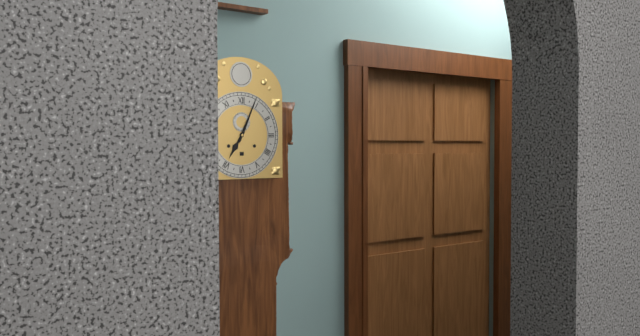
7:04
